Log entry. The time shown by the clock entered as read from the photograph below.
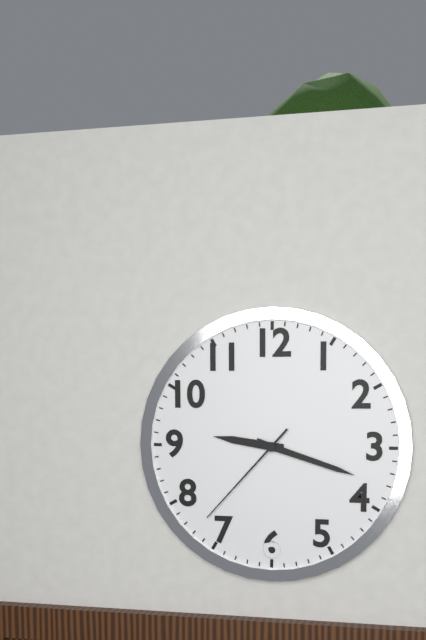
9:18:37
